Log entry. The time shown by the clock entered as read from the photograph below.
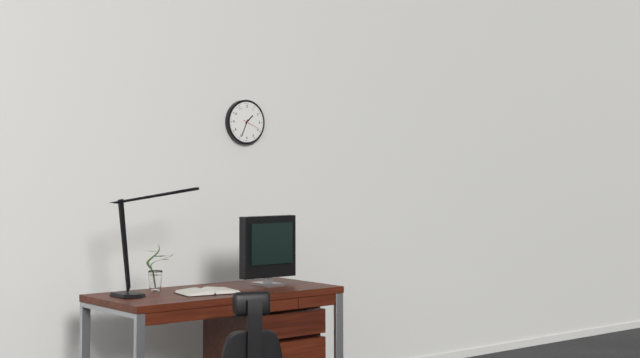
1:34
